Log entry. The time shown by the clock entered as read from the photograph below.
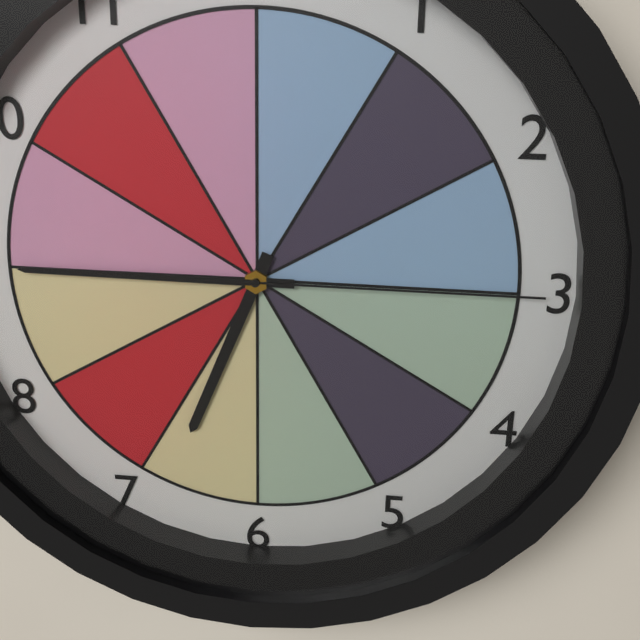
6:45:15
